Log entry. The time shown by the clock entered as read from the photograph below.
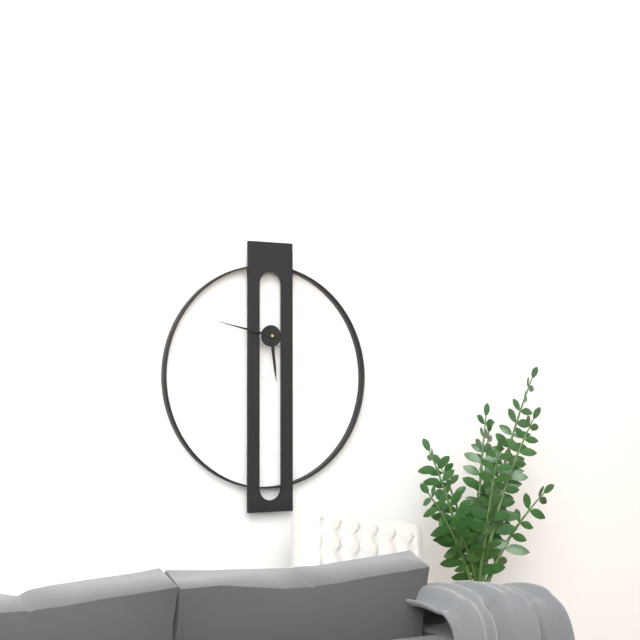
5:47
